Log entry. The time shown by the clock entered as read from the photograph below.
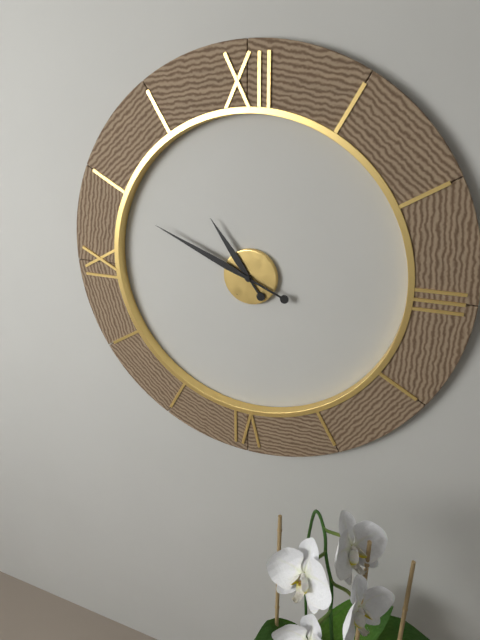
10:49
